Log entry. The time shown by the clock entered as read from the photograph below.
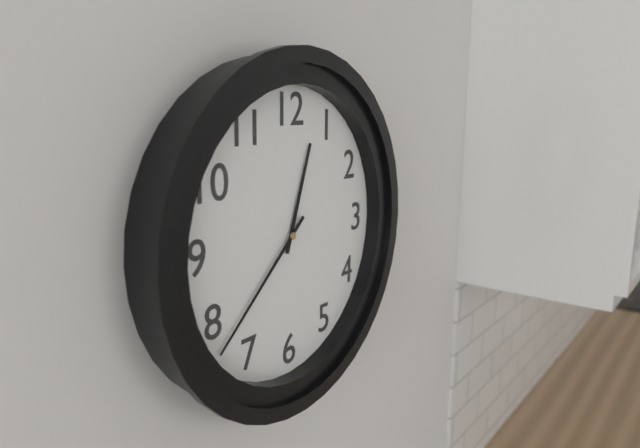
12:38
